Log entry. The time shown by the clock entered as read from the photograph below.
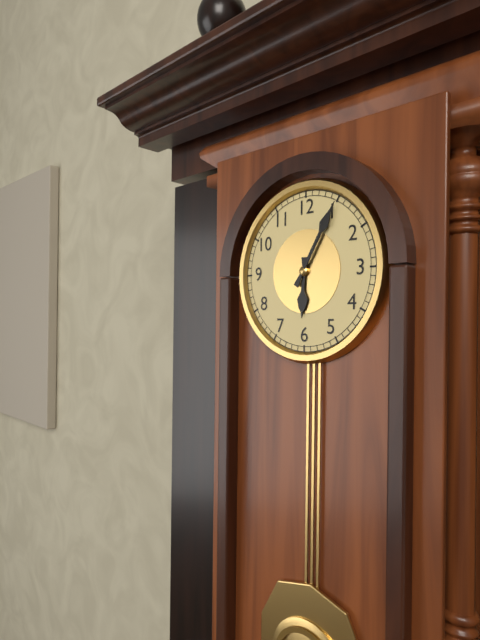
6:05
